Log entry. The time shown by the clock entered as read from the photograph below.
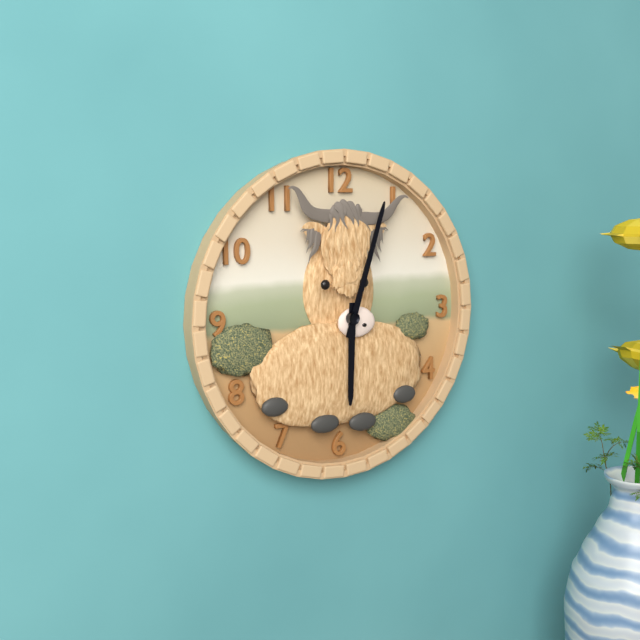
6:03
